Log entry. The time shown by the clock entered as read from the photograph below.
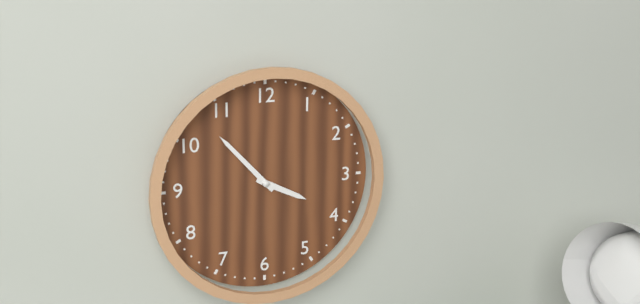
3:53
